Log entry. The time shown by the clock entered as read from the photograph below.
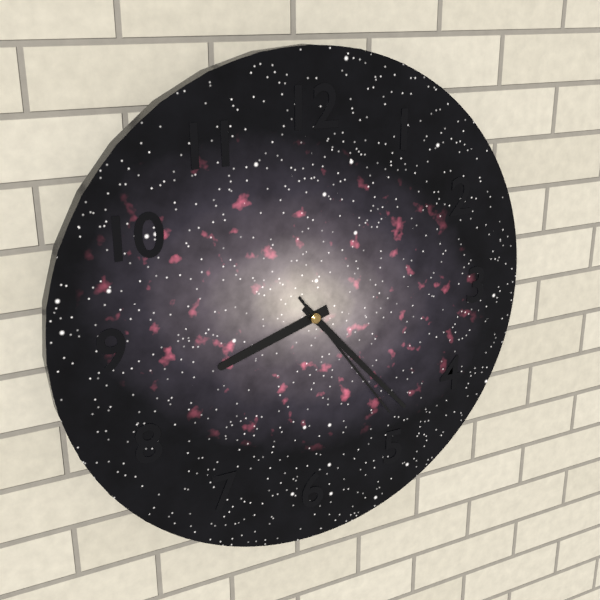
8:23:24
